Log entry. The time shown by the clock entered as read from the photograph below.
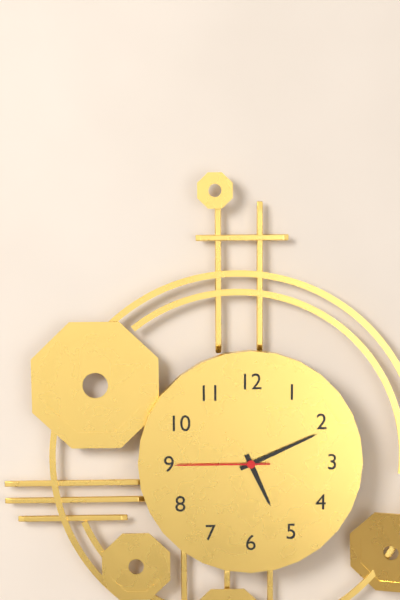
5:11:45
